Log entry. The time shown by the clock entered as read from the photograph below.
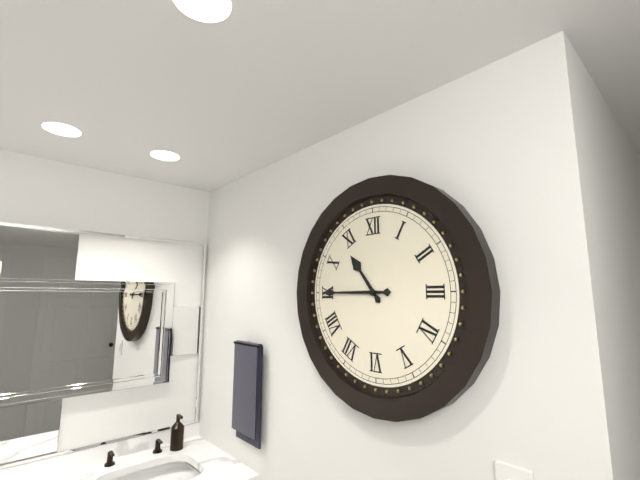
10:45
